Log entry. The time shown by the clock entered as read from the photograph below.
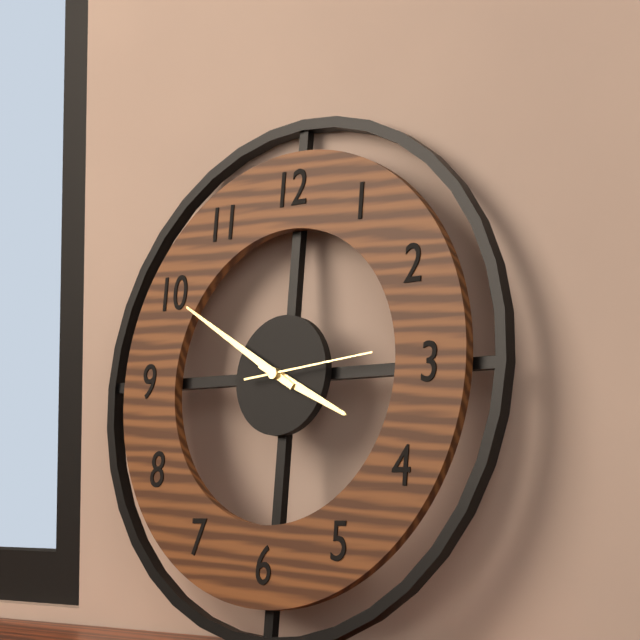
3:50:14
